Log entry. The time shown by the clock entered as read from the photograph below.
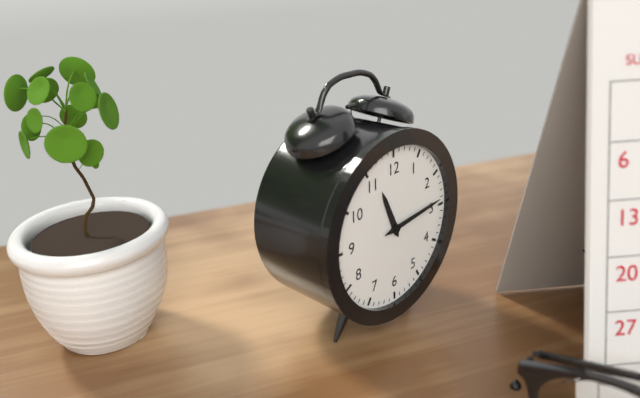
11:14
